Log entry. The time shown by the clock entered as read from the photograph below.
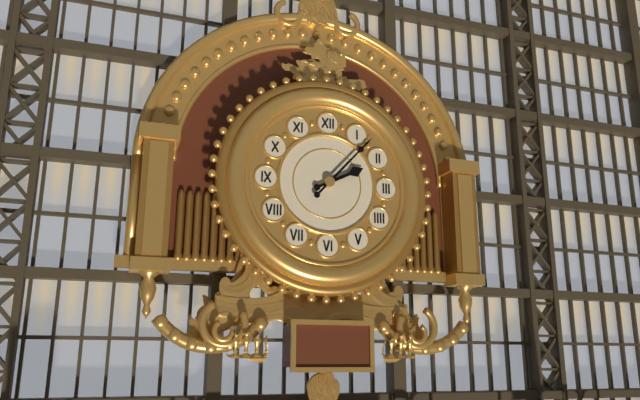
2:07
